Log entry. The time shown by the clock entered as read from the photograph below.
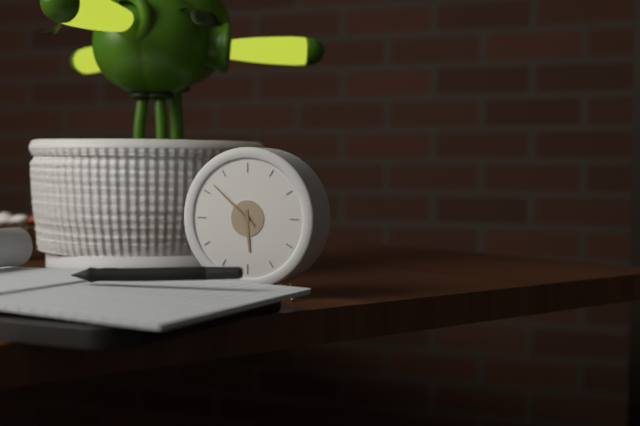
5:52
